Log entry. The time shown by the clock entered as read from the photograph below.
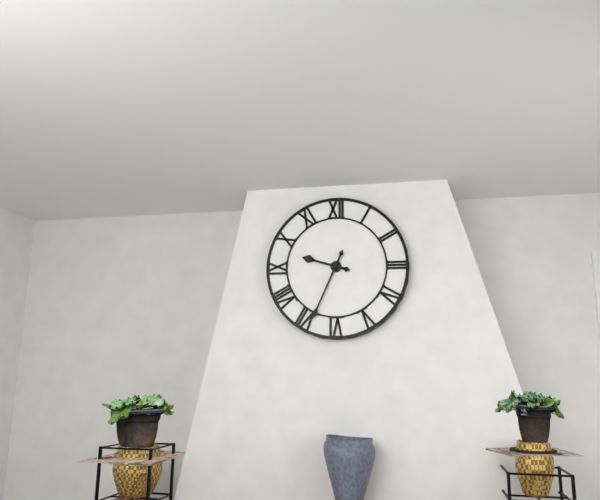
9:34
